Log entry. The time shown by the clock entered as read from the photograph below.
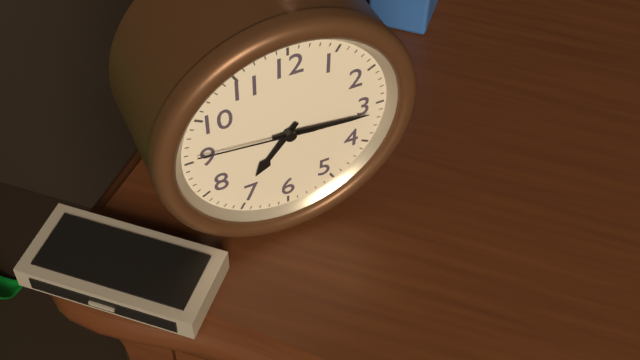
7:16:46
